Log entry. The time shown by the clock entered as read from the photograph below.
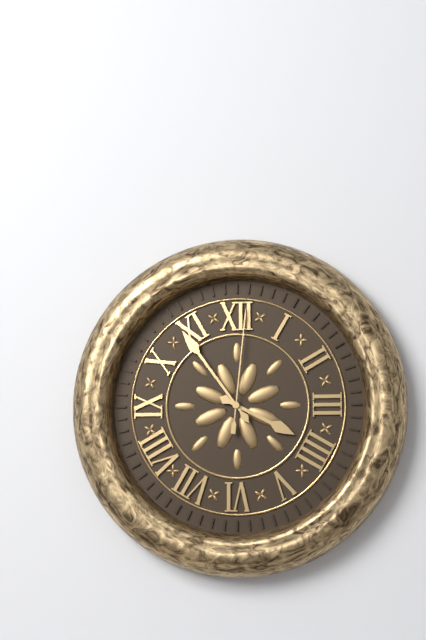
3:54:01
